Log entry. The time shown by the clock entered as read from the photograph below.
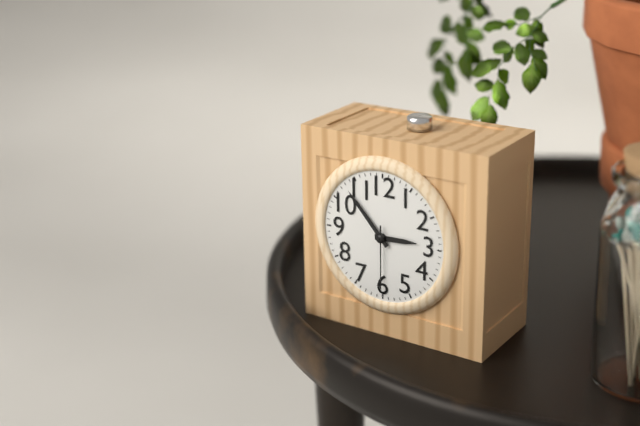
2:53:30
